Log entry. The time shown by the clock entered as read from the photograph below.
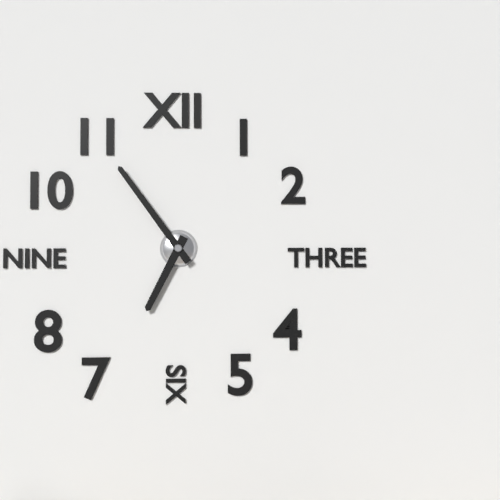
6:54
